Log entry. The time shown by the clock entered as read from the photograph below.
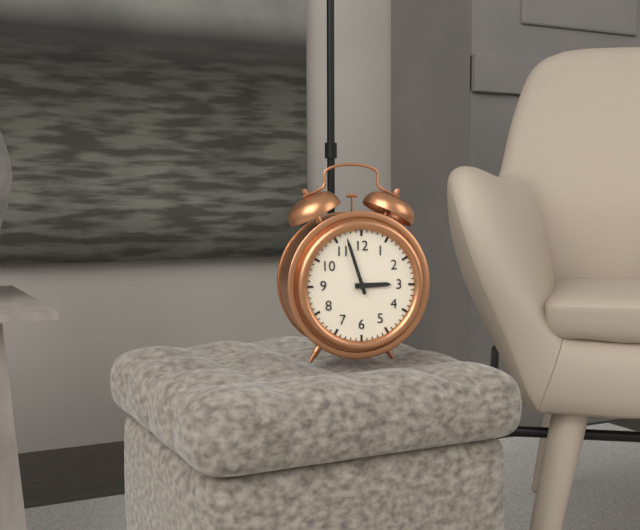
2:57
